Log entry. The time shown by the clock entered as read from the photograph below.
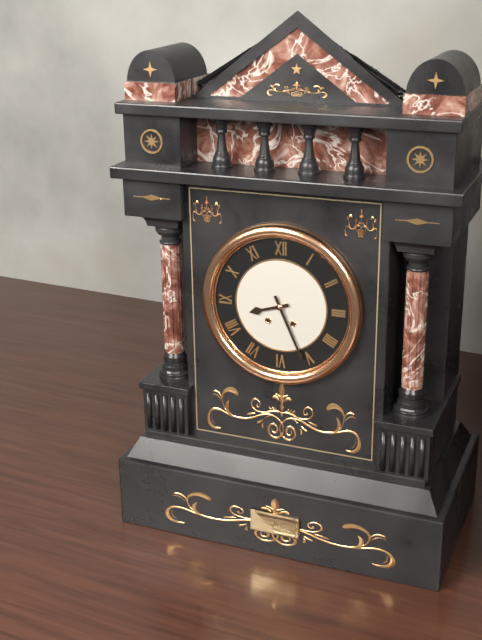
8:26
